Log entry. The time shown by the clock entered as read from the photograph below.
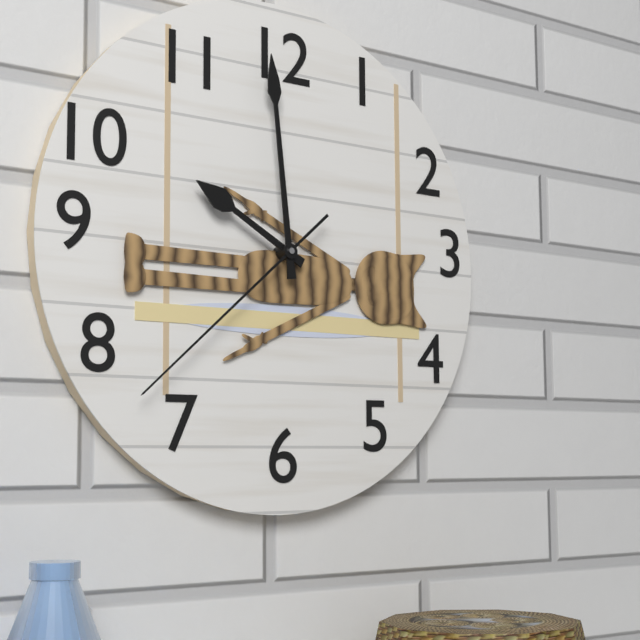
9:59:38
